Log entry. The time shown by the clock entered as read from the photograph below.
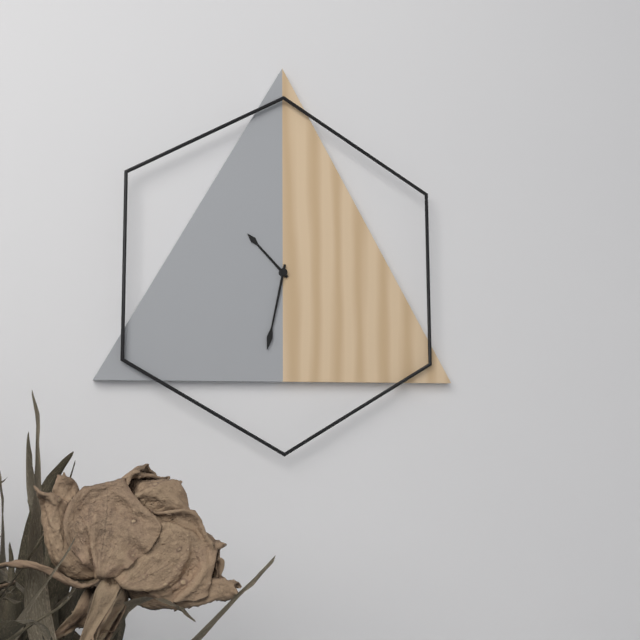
10:32
